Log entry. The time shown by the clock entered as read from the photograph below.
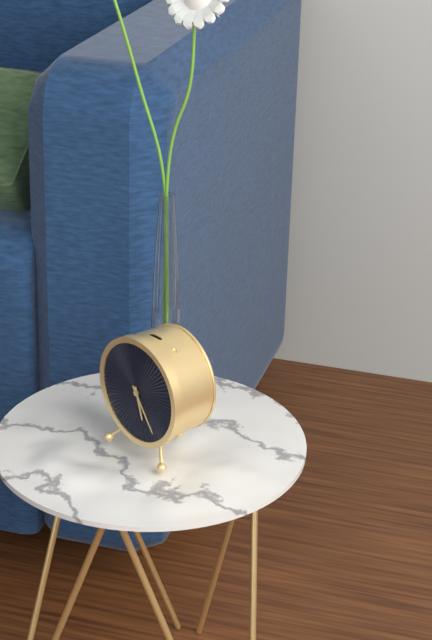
5:24
